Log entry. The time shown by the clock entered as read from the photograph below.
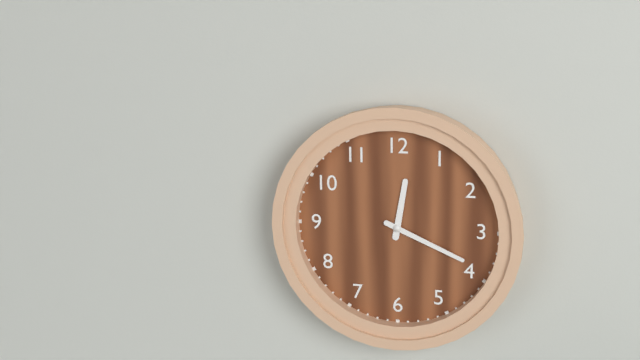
12:19
